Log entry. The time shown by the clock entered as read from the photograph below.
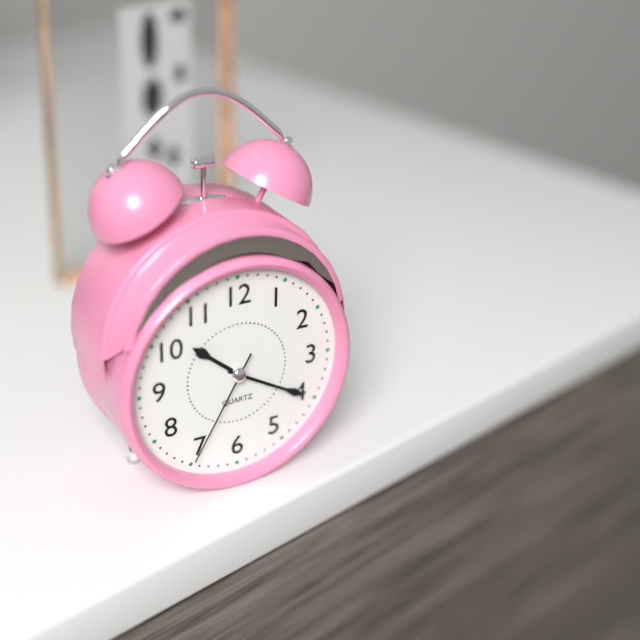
10:20:35
